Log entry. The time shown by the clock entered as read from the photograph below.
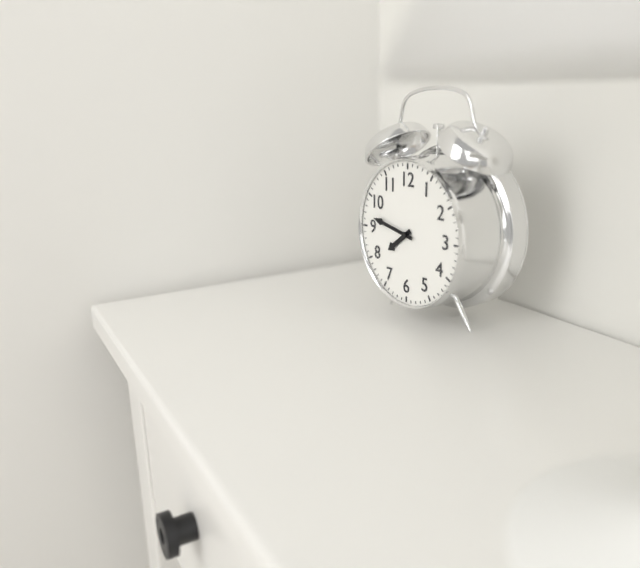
7:47
